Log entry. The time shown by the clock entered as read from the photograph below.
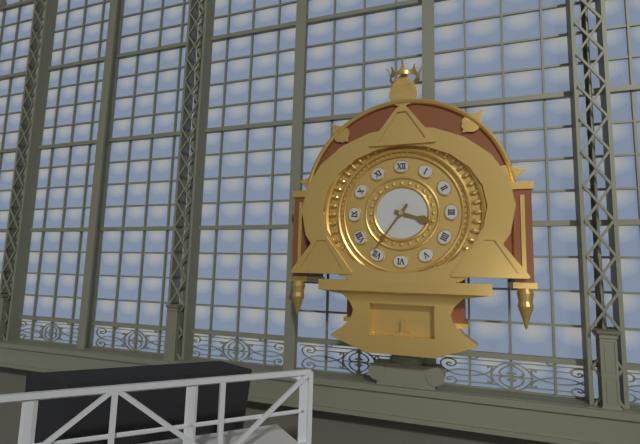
3:36
